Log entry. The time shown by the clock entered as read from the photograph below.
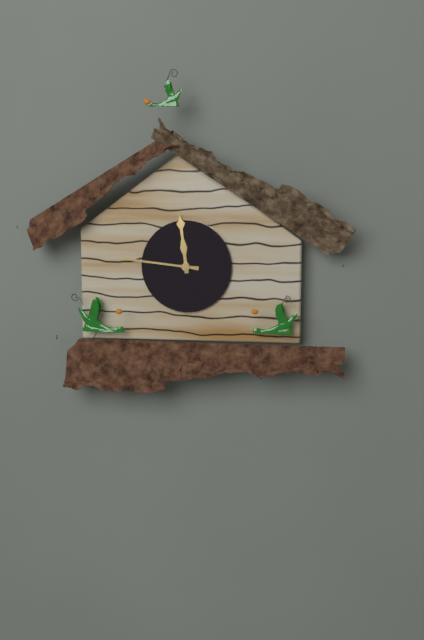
11:46
